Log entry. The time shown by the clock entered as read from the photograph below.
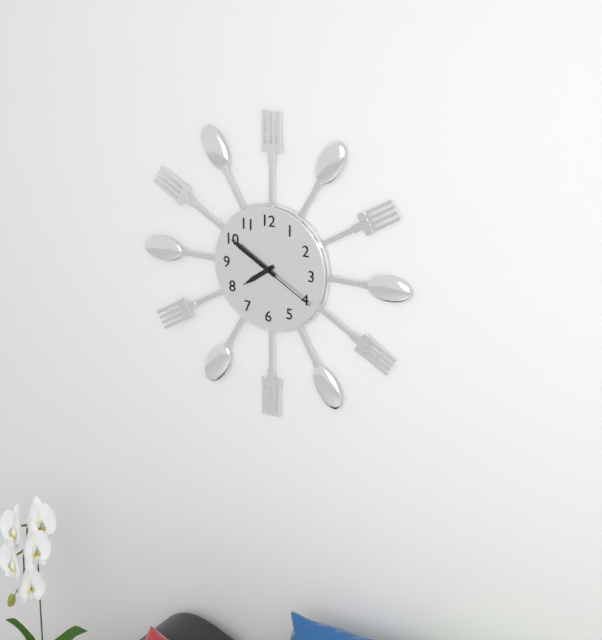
7:50:20
